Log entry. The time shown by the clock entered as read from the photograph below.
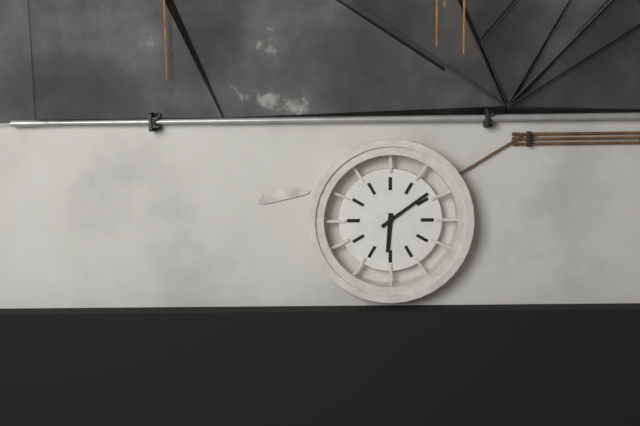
6:09
